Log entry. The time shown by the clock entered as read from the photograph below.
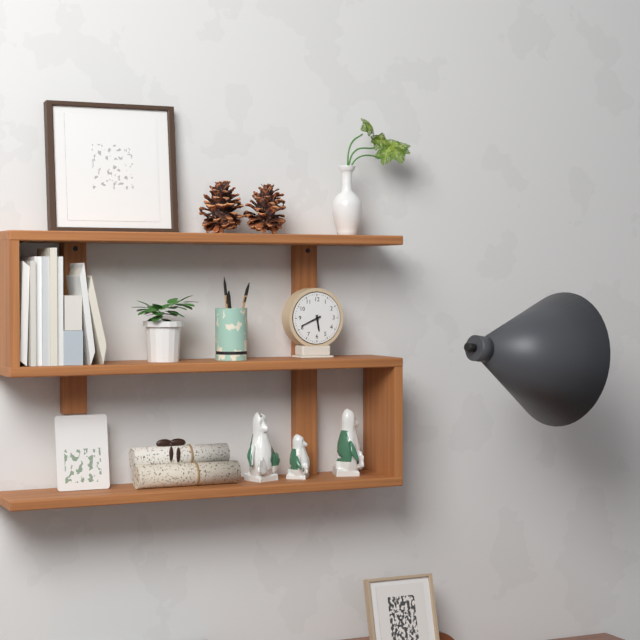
5:41
